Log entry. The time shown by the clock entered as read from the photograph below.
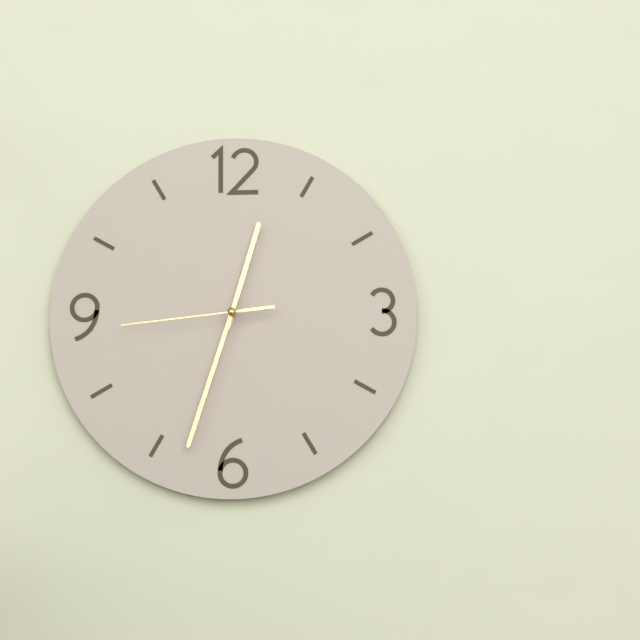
12:33:44
